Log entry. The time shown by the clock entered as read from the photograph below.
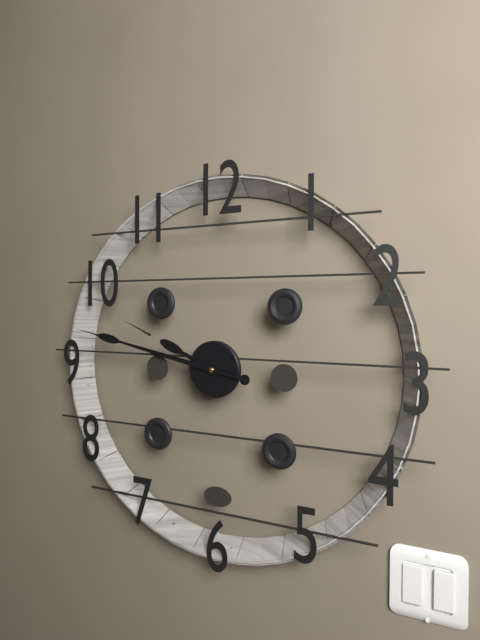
9:47
